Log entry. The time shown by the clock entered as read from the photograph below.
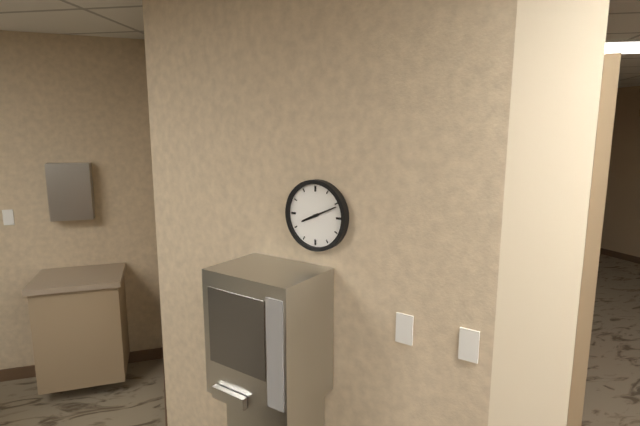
8:11
